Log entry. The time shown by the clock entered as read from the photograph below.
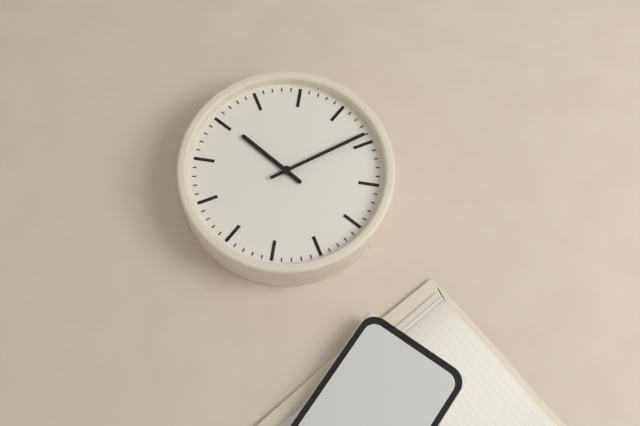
9:04
